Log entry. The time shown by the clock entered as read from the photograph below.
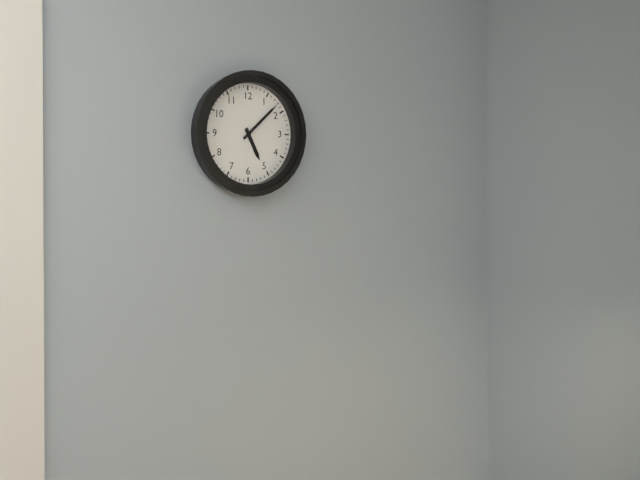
5:08
